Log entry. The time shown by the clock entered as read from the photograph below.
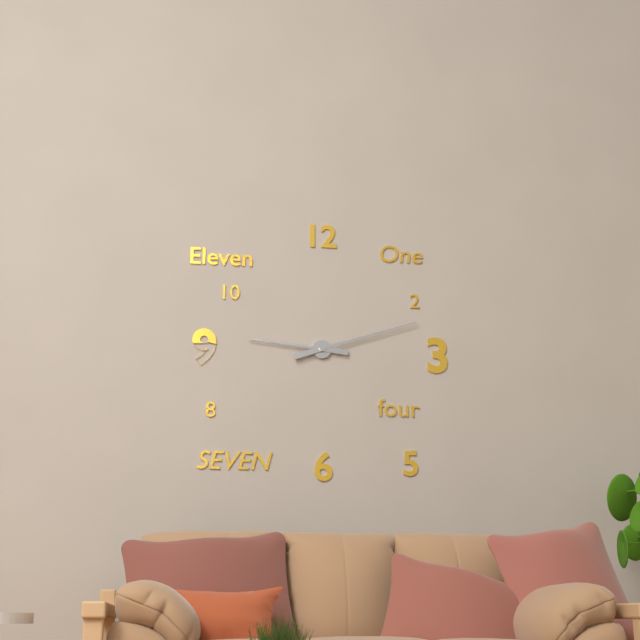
9:12
